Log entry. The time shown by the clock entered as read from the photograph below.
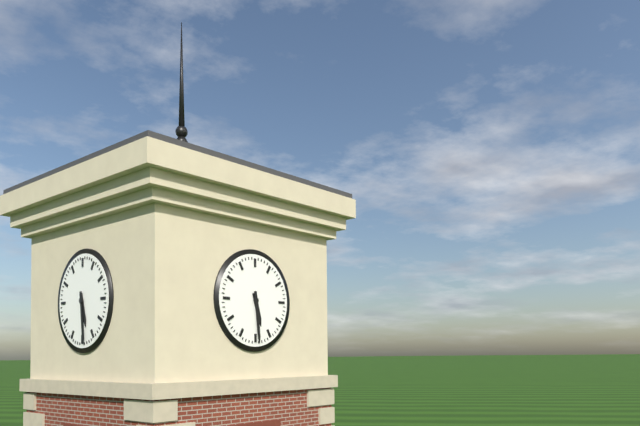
5:29
